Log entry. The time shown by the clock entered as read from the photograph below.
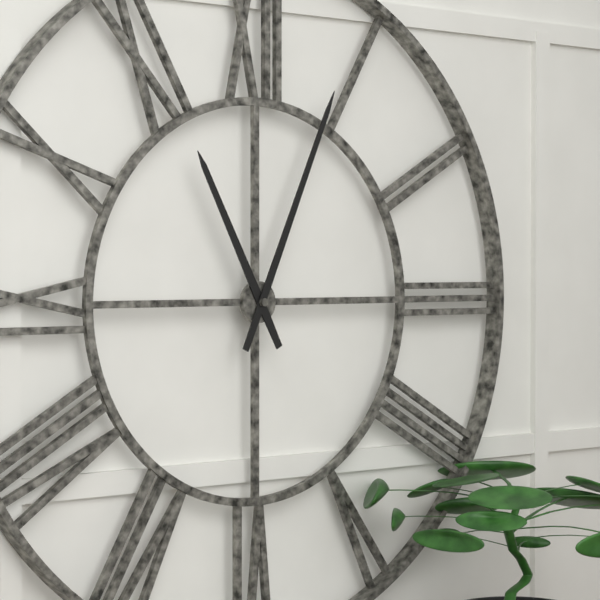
11:04
